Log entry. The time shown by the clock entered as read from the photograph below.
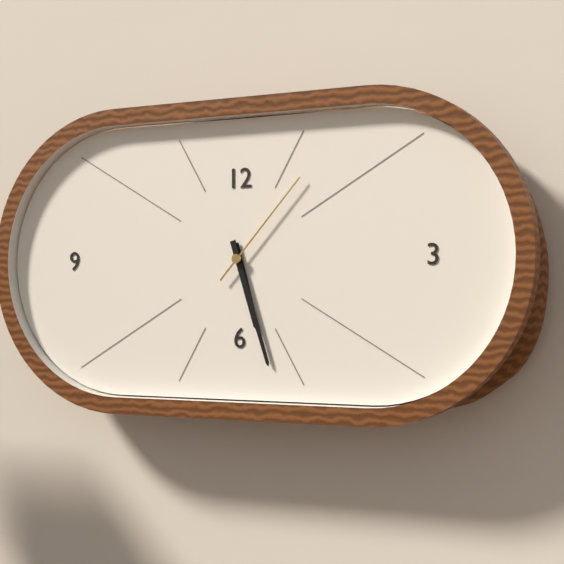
5:27:07
